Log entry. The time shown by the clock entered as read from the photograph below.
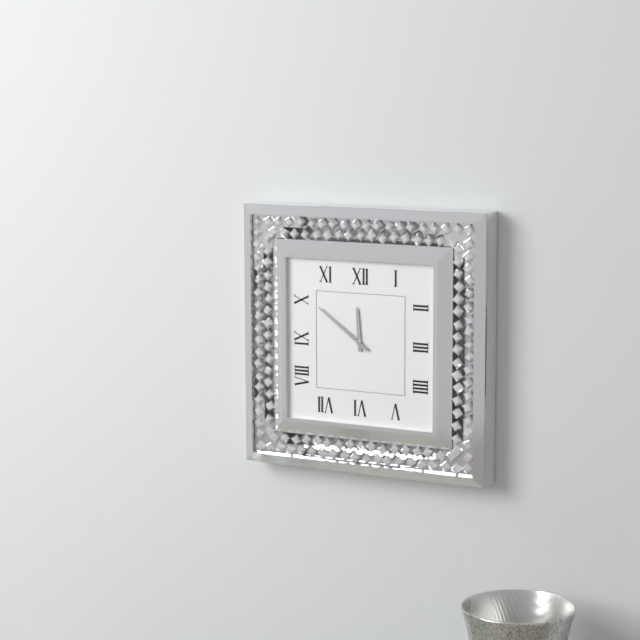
11:51
